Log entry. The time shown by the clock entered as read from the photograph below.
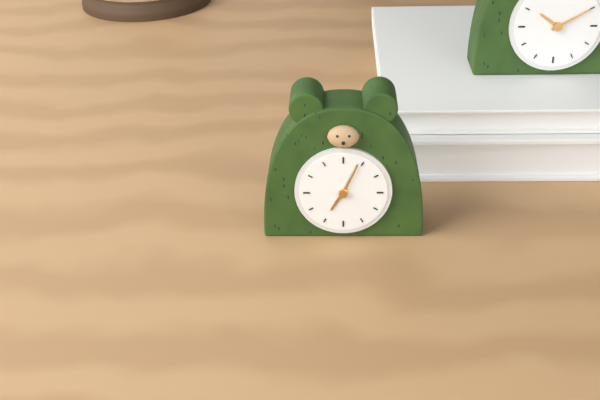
7:04
